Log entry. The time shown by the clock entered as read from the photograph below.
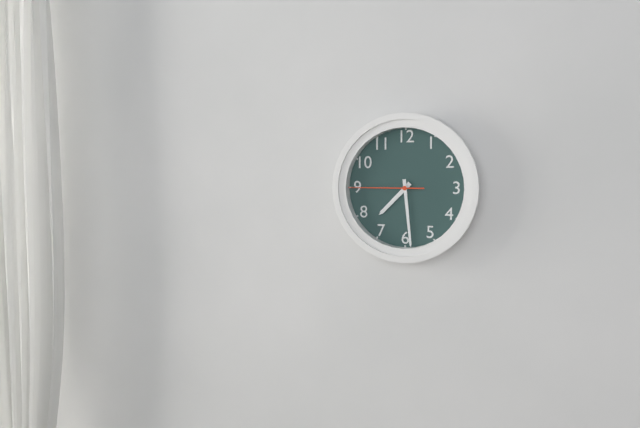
7:29:45
